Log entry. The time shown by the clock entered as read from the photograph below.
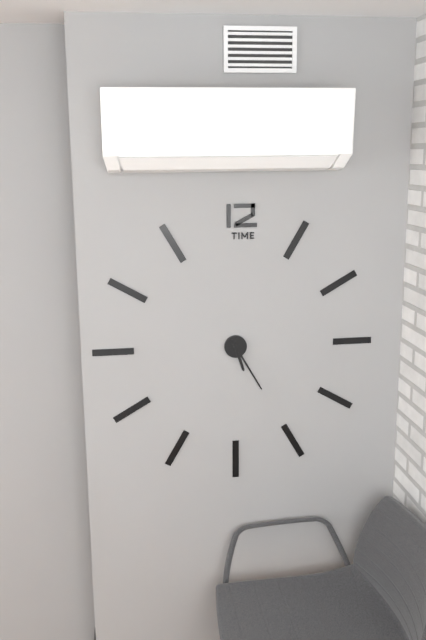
5:25
